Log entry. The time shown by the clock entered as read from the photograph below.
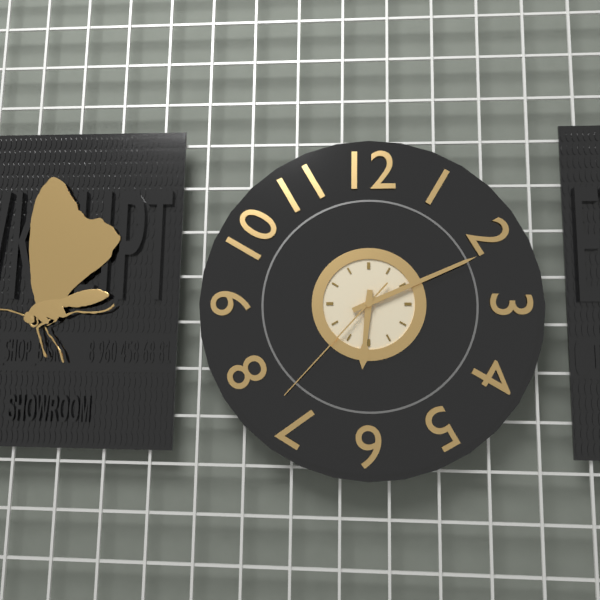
6:11:37
